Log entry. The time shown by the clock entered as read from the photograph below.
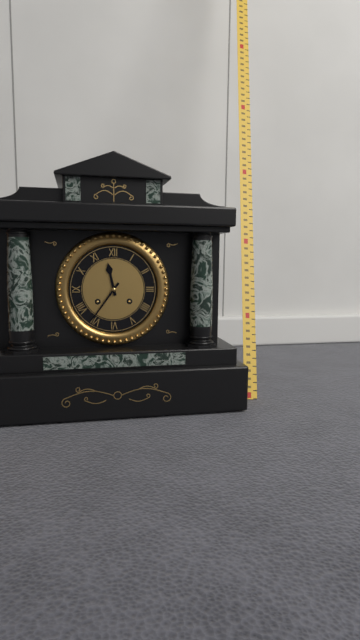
11:36
